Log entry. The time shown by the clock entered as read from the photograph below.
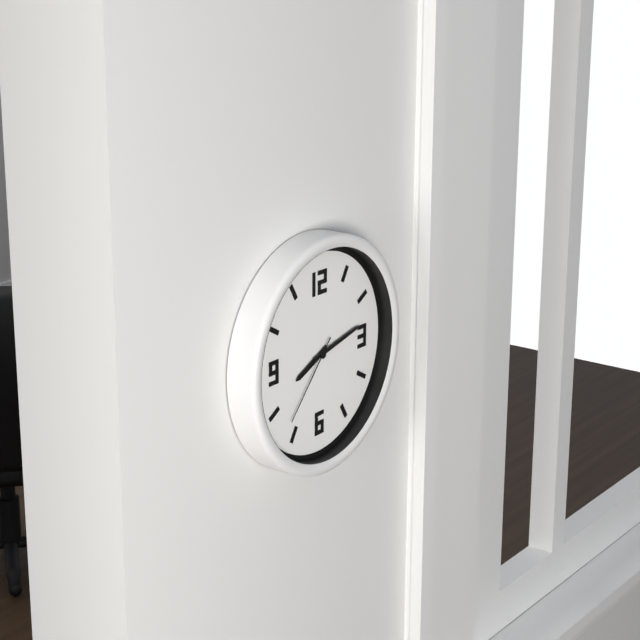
8:13:37
